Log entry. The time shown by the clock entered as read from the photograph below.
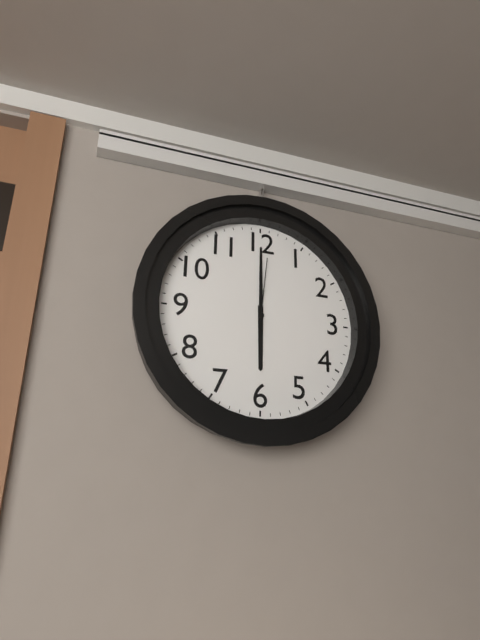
6:00:01
